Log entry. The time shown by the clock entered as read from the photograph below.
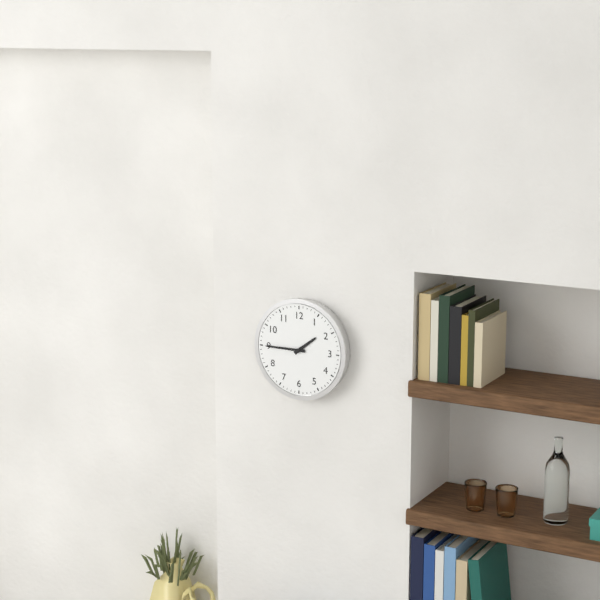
1:45
